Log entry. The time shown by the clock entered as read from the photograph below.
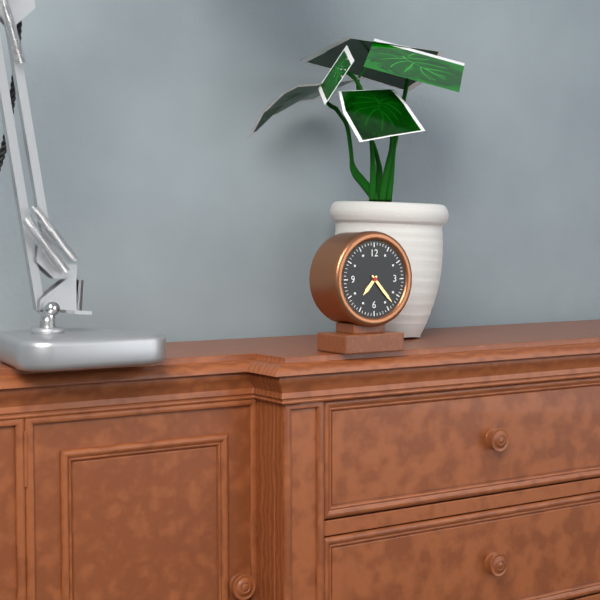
7:23
